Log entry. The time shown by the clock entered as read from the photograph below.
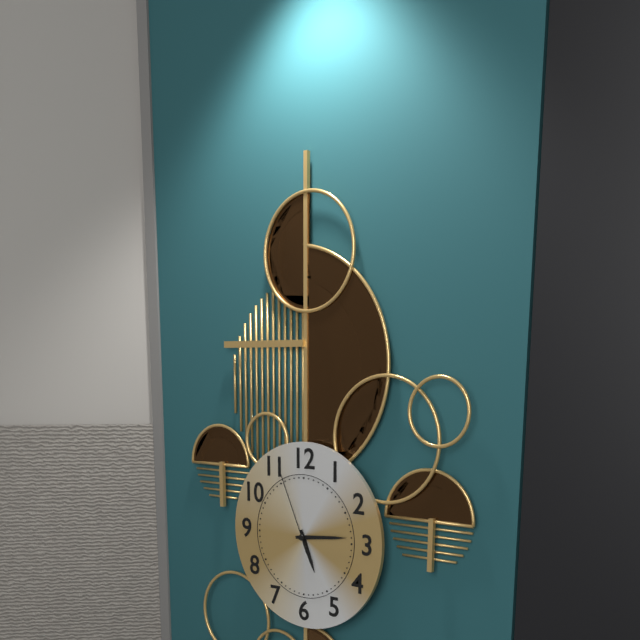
5:14:56
